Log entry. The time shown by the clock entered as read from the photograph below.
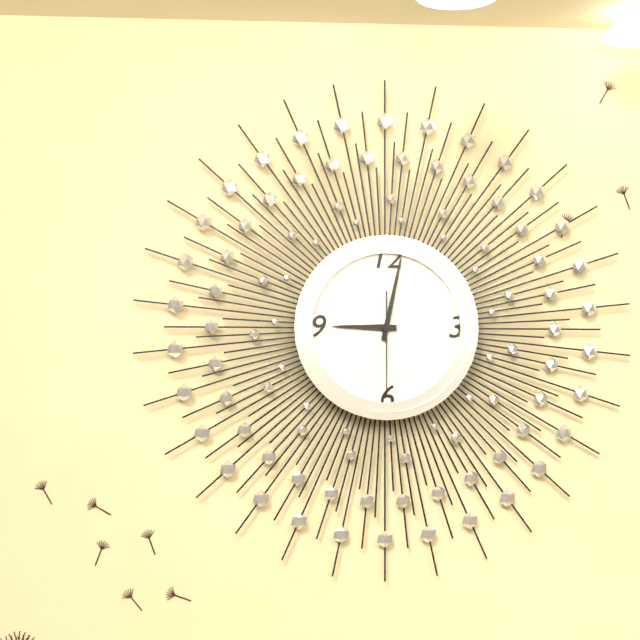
9:02:30
